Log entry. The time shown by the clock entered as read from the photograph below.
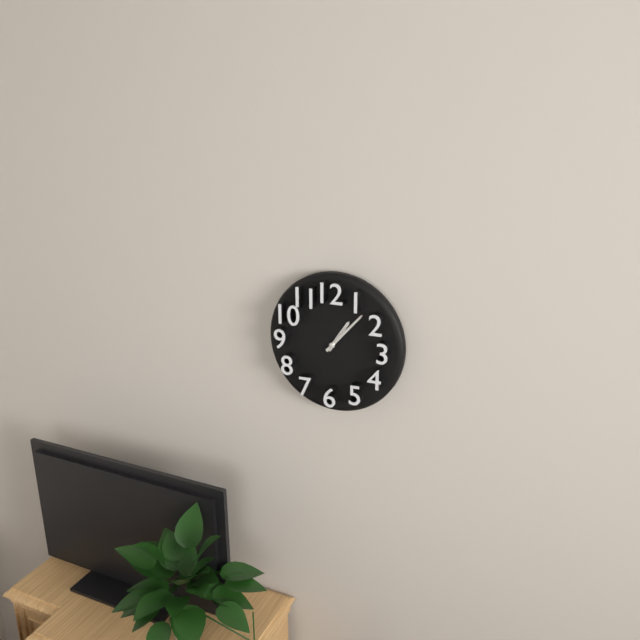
1:07
